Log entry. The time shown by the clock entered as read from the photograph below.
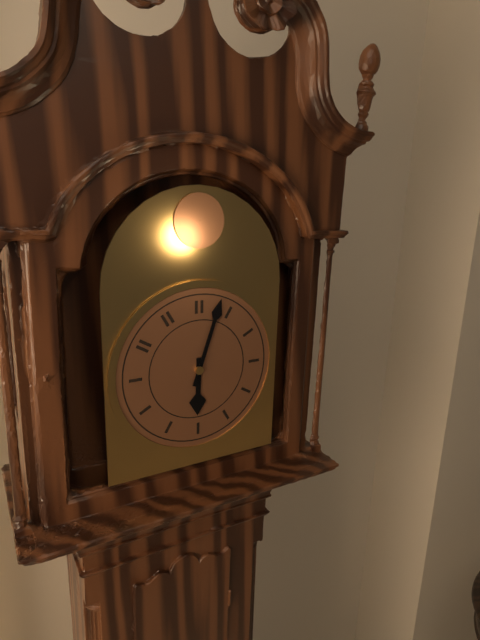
6:03
